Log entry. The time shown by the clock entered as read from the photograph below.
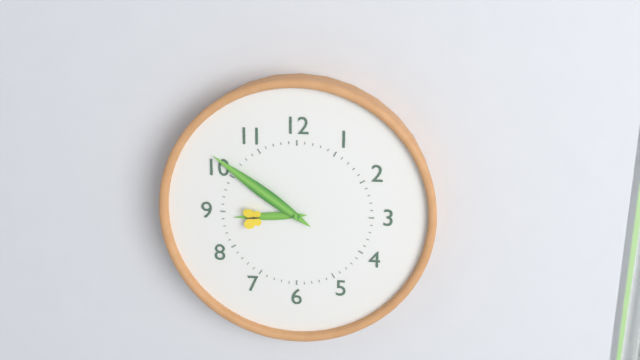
8:51
